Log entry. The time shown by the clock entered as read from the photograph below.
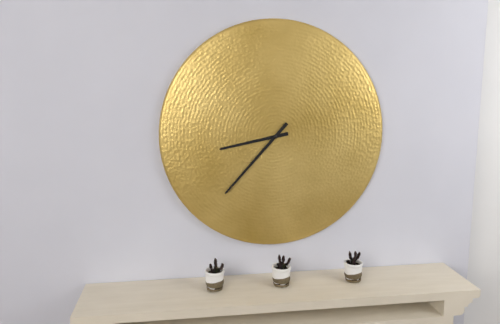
8:37
